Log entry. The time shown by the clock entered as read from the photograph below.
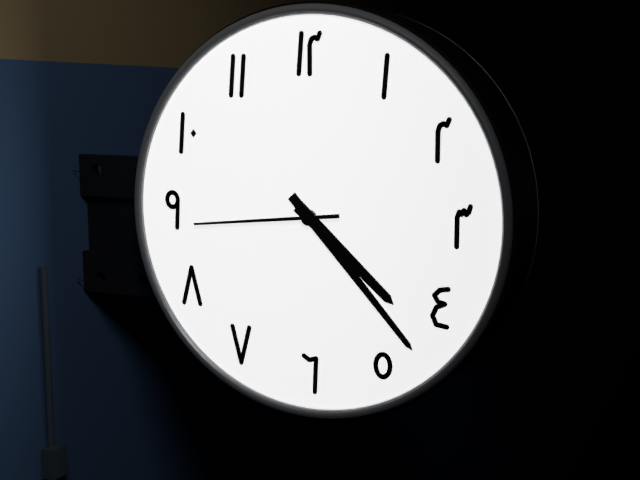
4:23:44
